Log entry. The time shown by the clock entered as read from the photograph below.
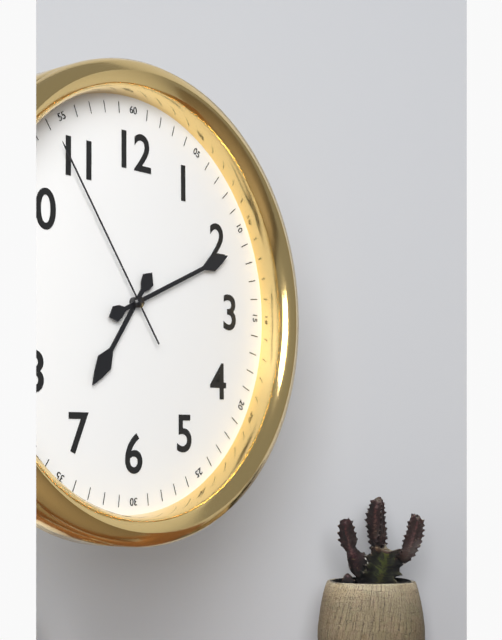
7:11:54
